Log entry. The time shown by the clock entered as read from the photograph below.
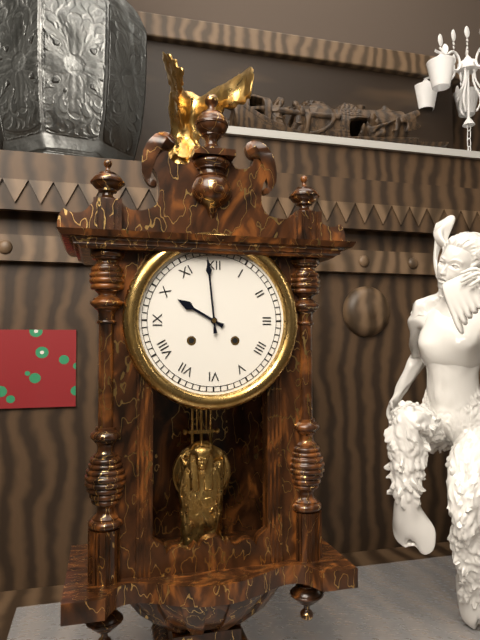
9:59
